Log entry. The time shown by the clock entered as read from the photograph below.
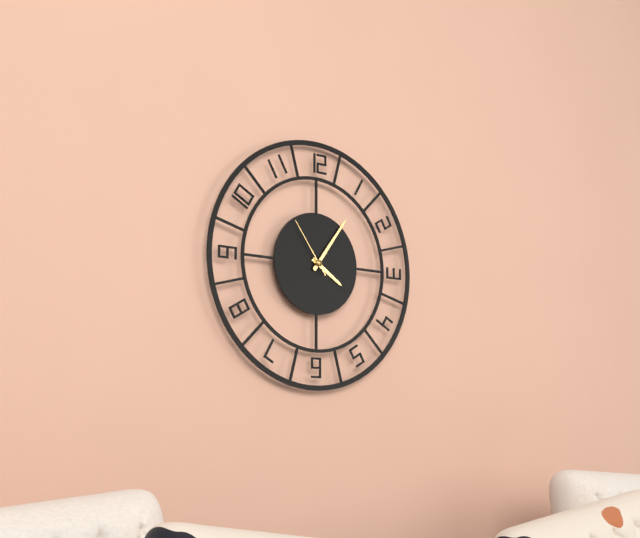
4:06:54
